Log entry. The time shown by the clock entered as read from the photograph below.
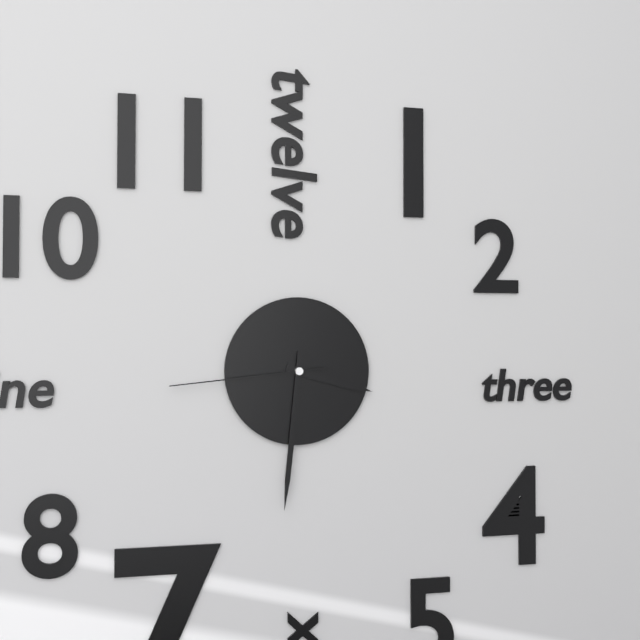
3:31:44
